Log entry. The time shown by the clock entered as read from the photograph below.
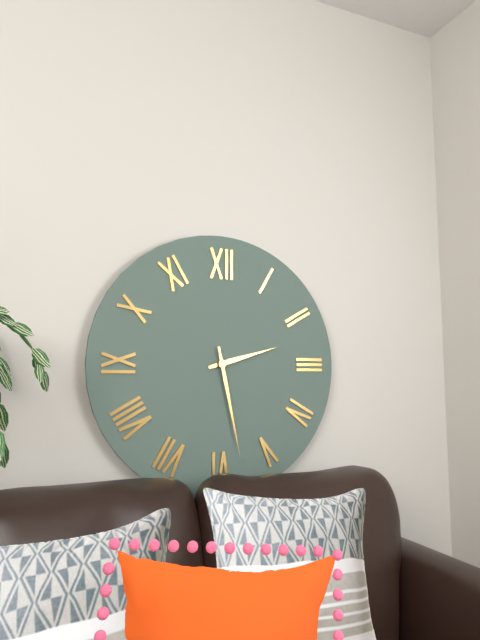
2:28
